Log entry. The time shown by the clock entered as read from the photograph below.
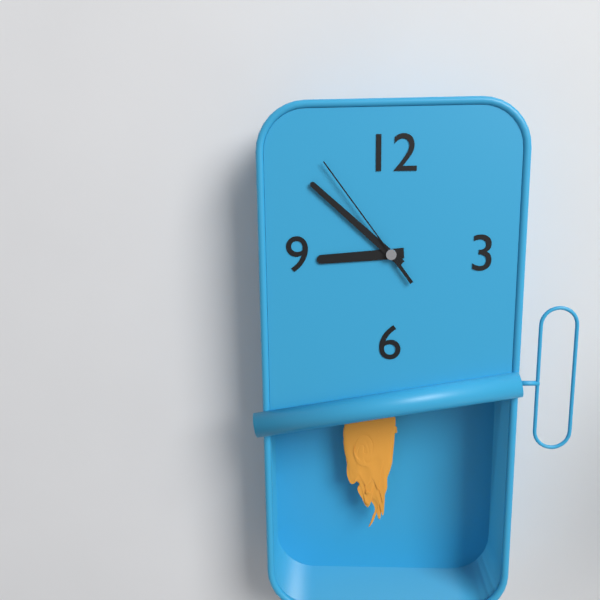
8:52:54
